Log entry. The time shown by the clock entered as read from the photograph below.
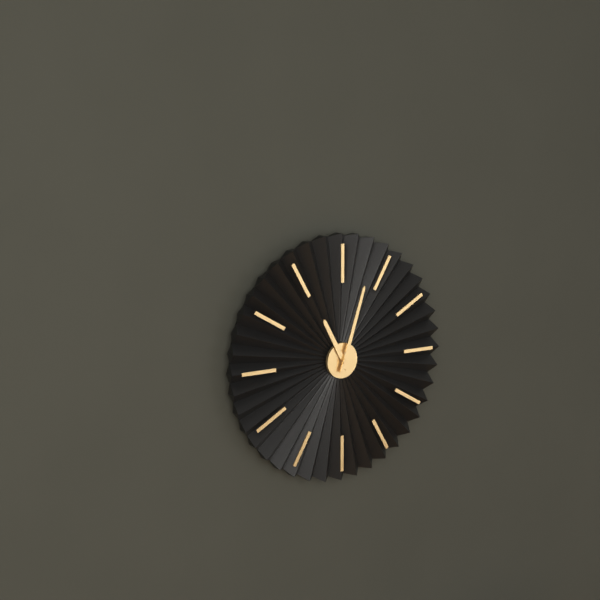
11:03
